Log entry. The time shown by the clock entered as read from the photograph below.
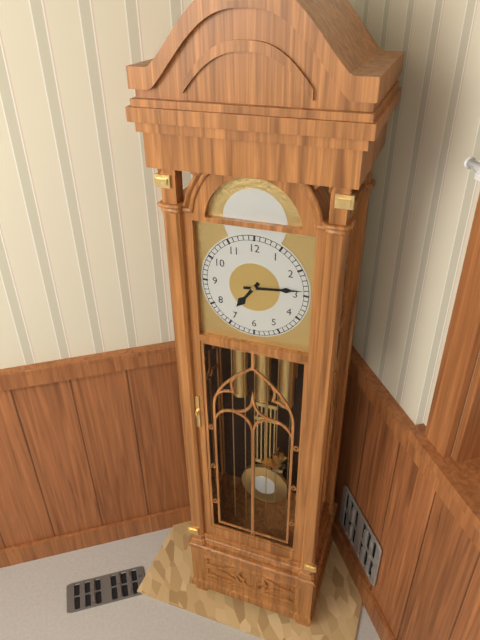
7:14
